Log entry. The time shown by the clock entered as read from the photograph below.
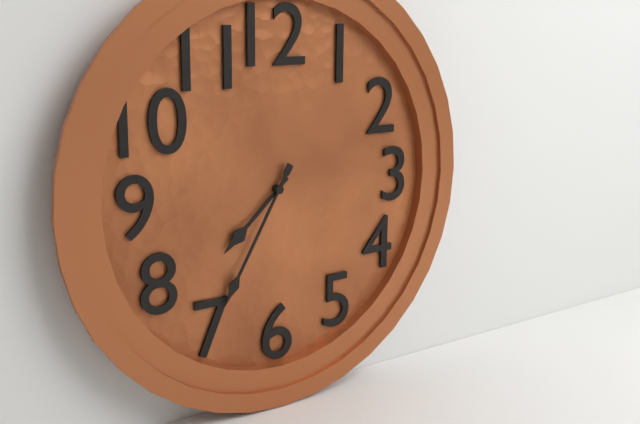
7:35
